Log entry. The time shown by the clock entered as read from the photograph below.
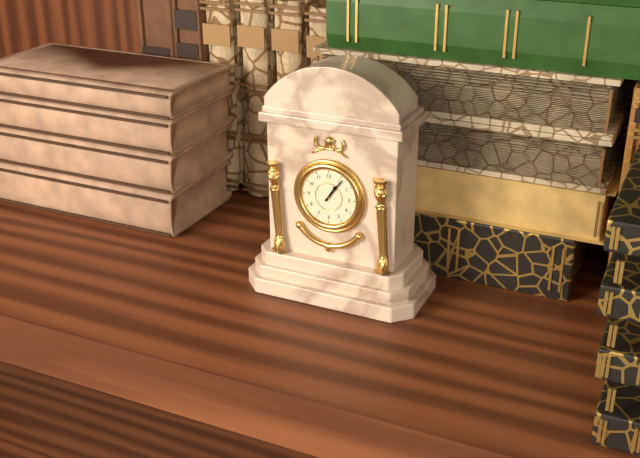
1:06
